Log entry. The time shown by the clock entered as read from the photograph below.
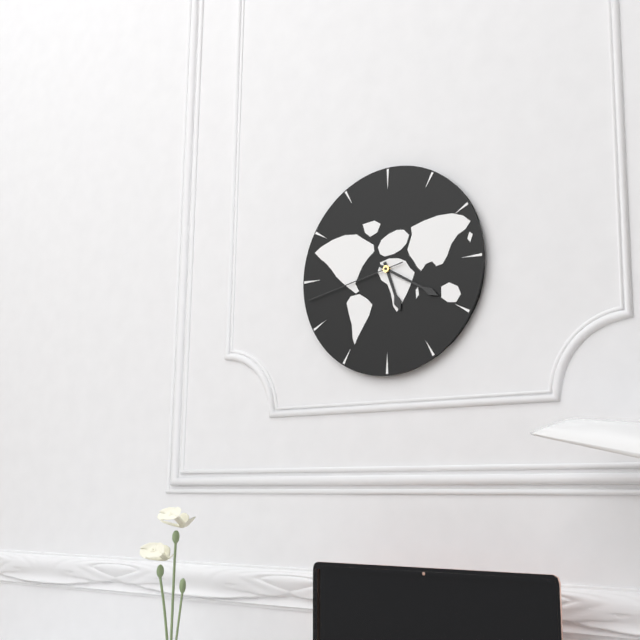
5:20:43
